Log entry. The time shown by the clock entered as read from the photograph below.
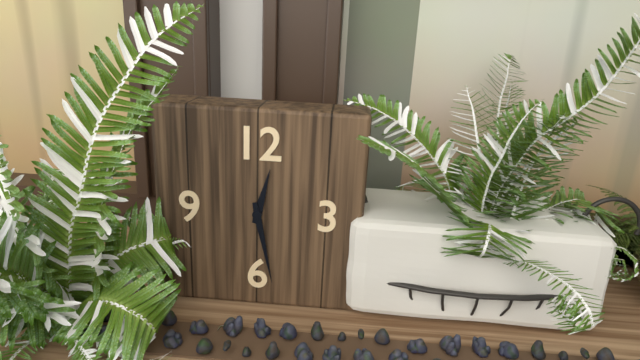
12:28
